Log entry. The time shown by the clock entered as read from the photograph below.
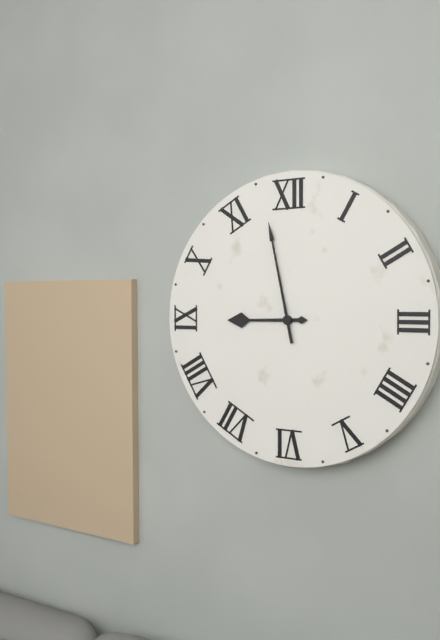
8:58
